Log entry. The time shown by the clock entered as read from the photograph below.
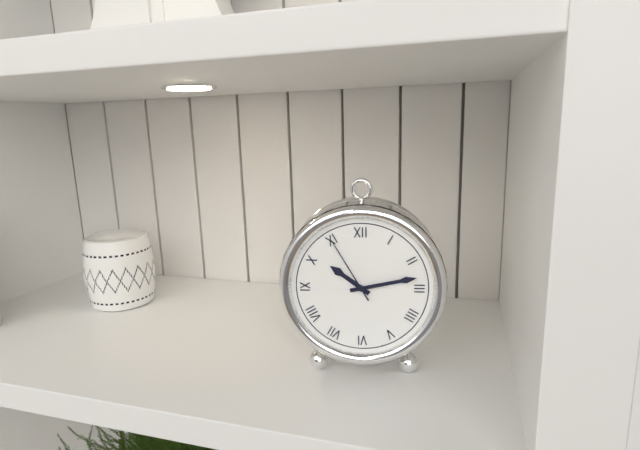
10:13:55
